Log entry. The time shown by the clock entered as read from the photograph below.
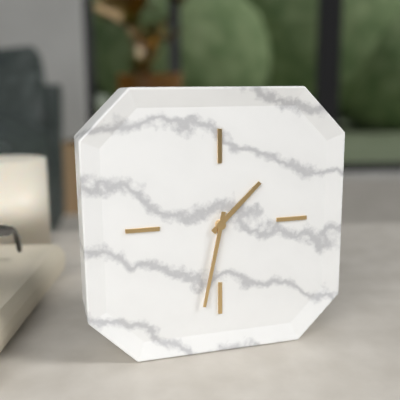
1:32
